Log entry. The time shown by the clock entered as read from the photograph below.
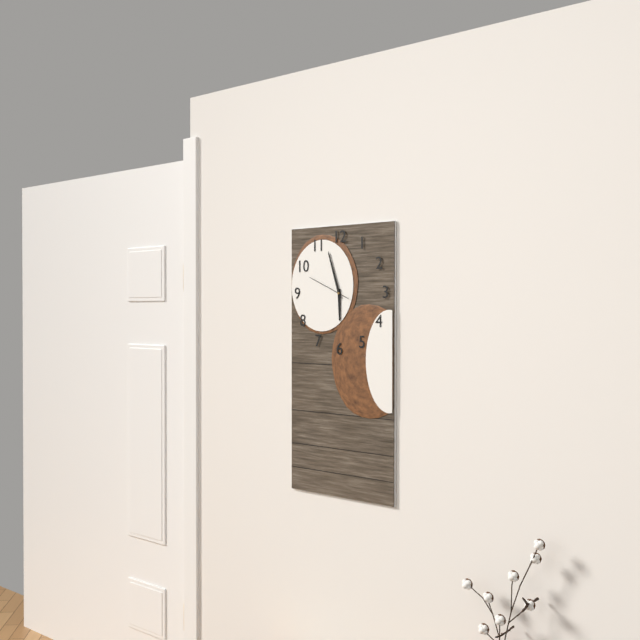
5:57
